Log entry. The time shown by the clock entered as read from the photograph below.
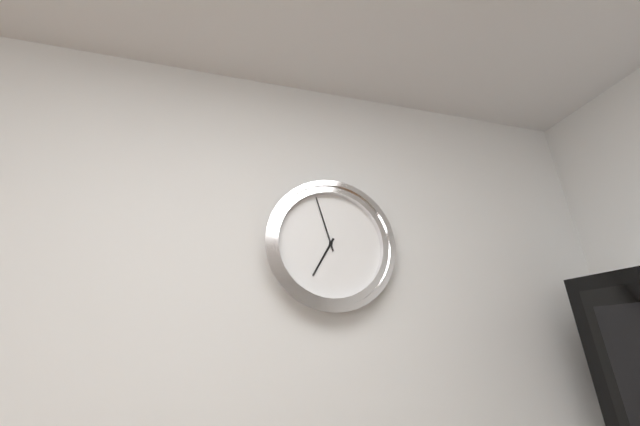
6:57
